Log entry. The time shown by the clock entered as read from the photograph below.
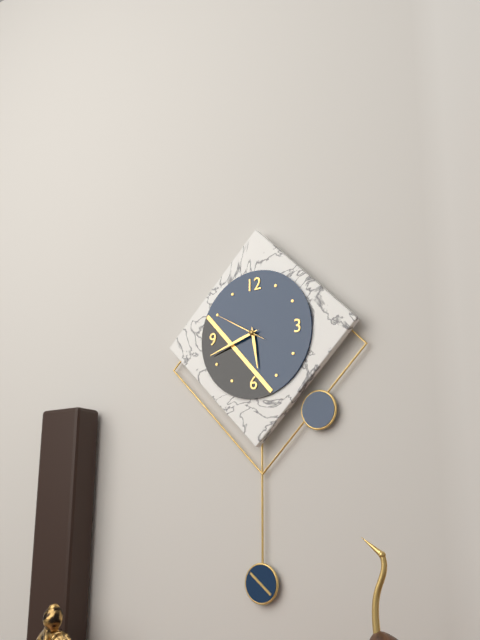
5:42
